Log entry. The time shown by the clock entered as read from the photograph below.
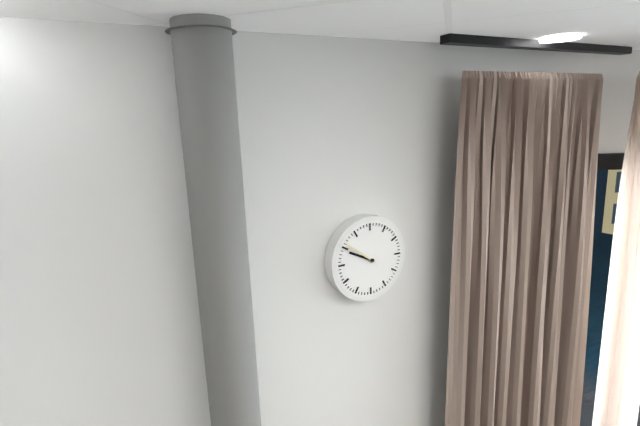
9:51
